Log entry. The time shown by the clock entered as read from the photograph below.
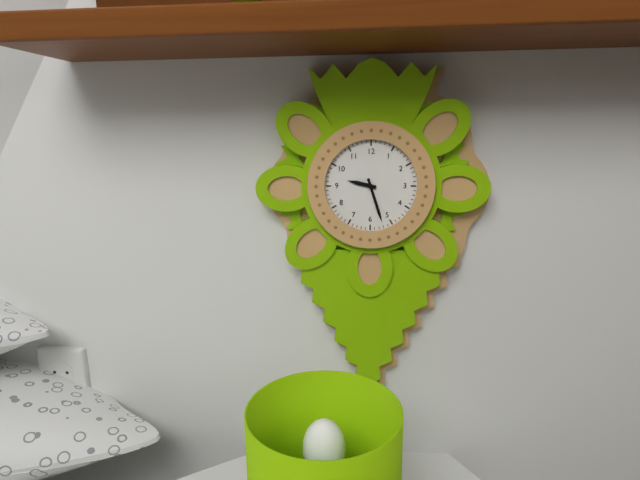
9:27
